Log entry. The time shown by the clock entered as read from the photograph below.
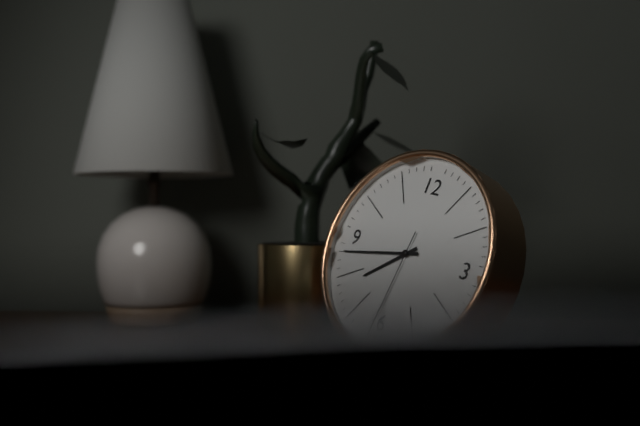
7:43
